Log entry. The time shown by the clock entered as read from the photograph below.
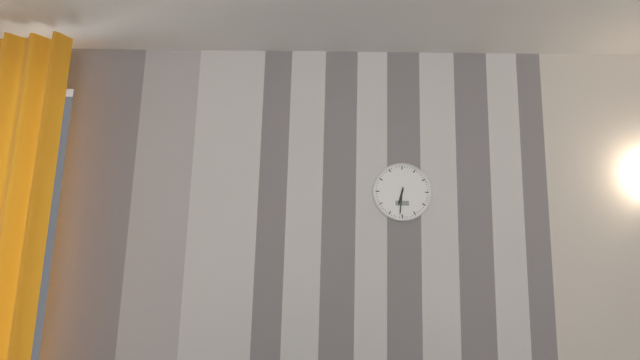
6:31
